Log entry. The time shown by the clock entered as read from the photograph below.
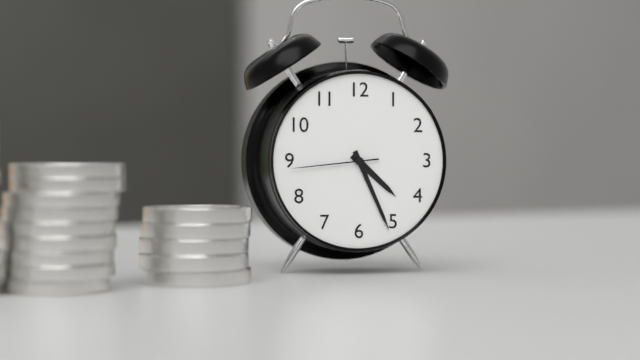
4:26:44
